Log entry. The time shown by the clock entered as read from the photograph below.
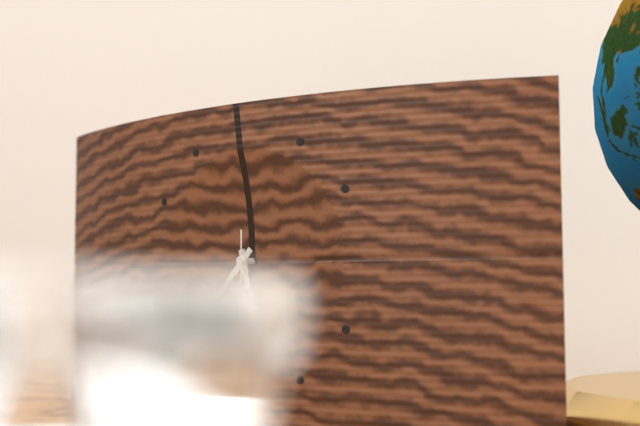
5:37:30
